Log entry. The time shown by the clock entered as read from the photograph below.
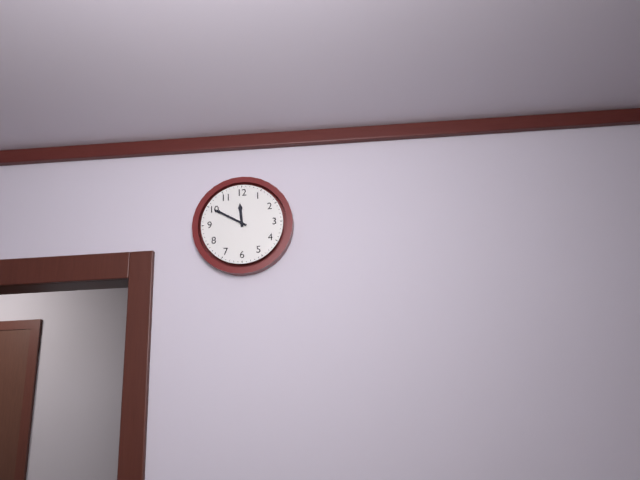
11:50
